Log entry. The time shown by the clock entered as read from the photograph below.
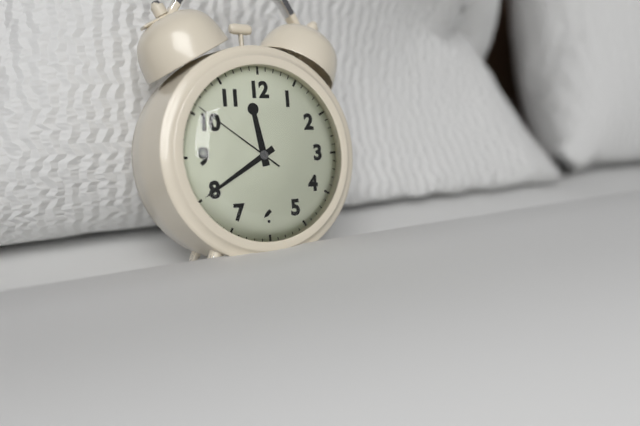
11:40:51
